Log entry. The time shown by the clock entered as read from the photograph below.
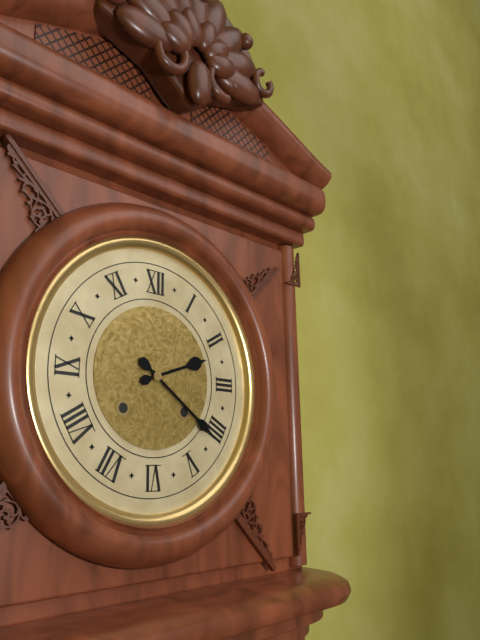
2:21
